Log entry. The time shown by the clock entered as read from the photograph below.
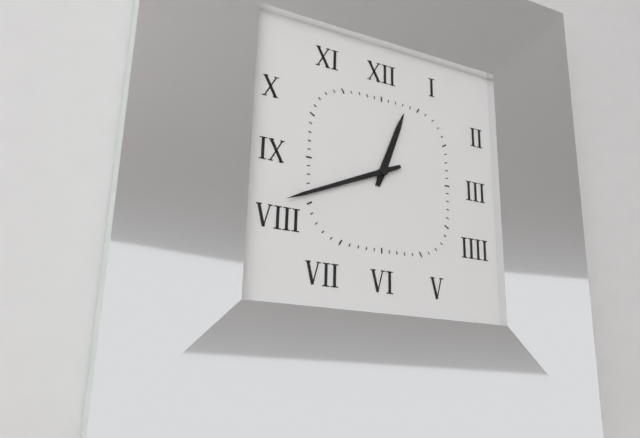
12:41
